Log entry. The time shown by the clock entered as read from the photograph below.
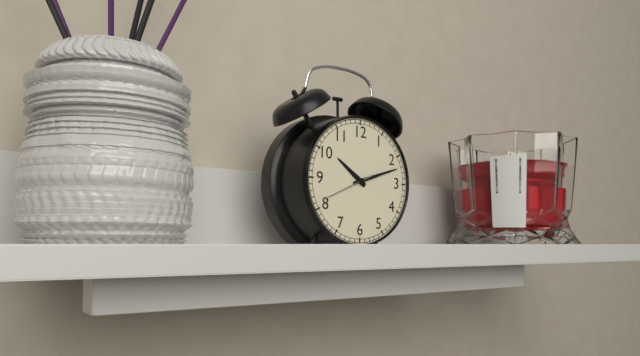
10:12:41
